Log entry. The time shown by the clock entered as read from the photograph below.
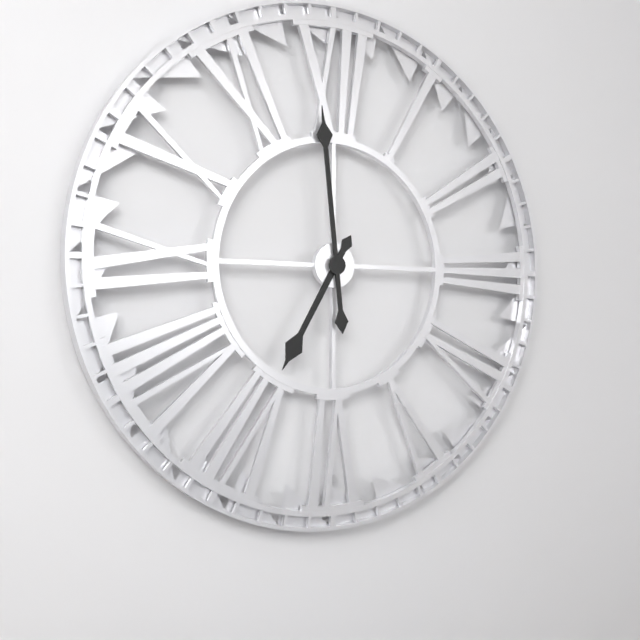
6:59
